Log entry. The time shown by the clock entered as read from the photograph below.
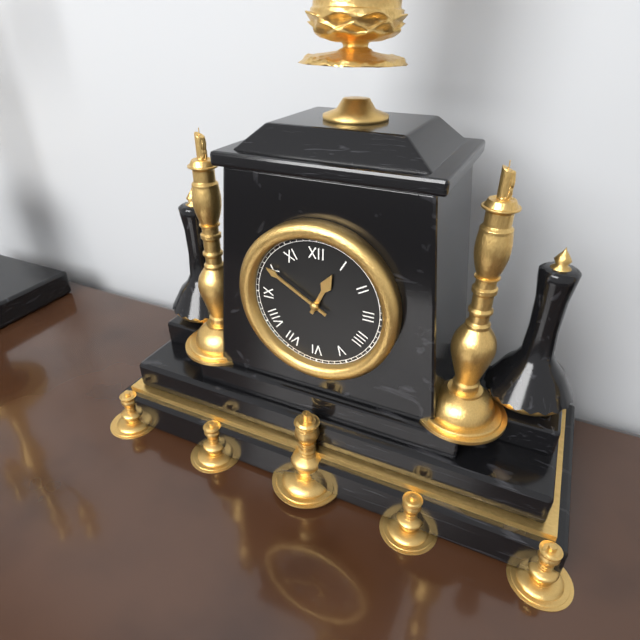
12:50
